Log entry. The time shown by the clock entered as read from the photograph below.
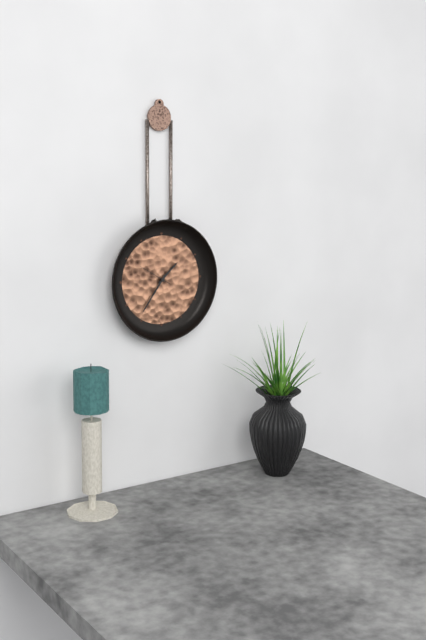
1:36
